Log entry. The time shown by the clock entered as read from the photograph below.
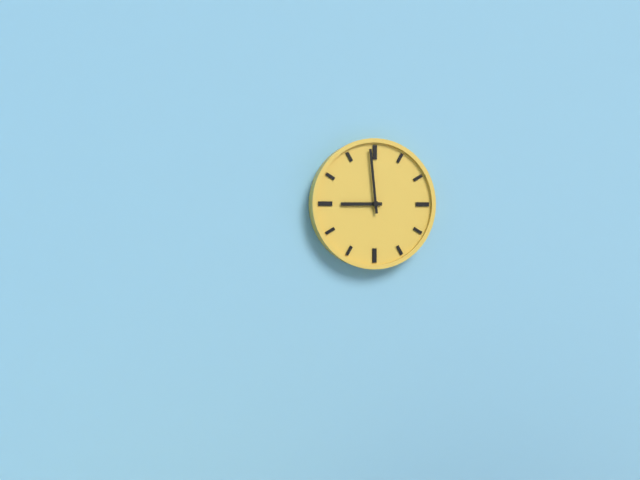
8:59
